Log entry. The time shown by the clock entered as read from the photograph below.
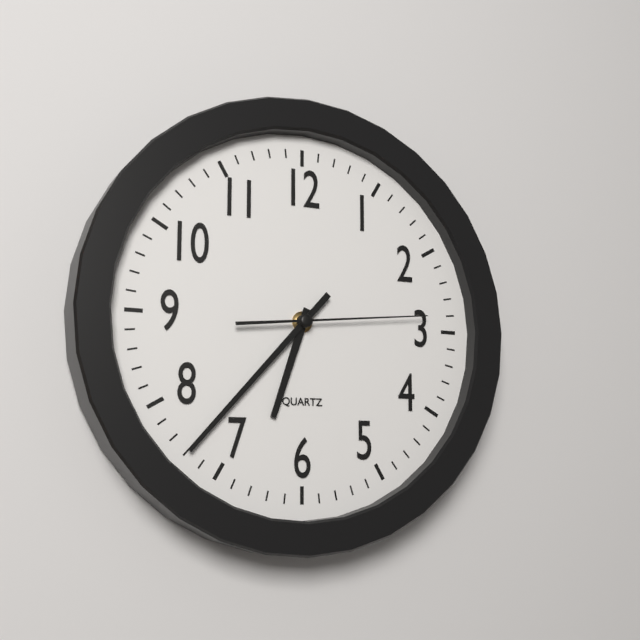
6:37:14
